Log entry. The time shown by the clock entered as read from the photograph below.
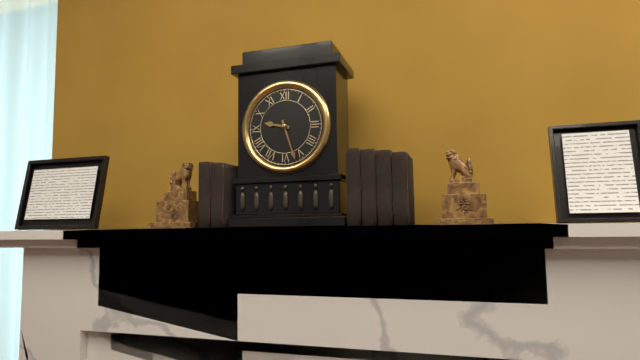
9:27
